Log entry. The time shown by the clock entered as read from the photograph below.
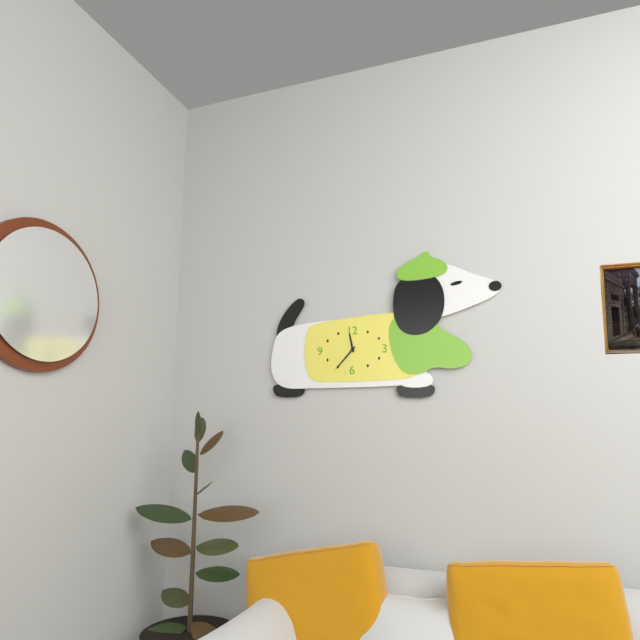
11:37
